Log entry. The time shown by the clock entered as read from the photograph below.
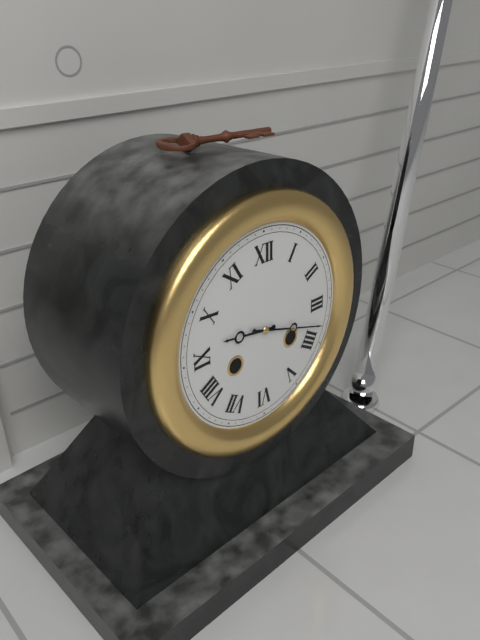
9:18
